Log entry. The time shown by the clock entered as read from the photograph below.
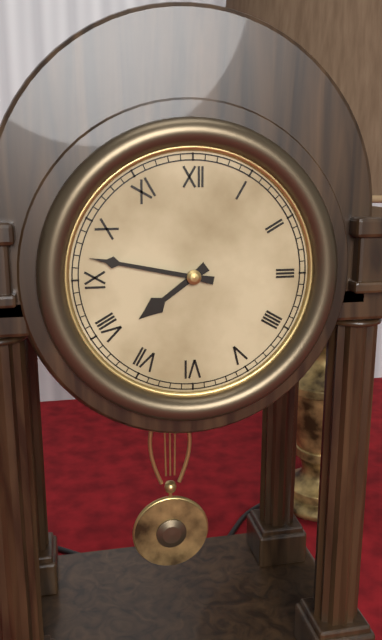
7:47
